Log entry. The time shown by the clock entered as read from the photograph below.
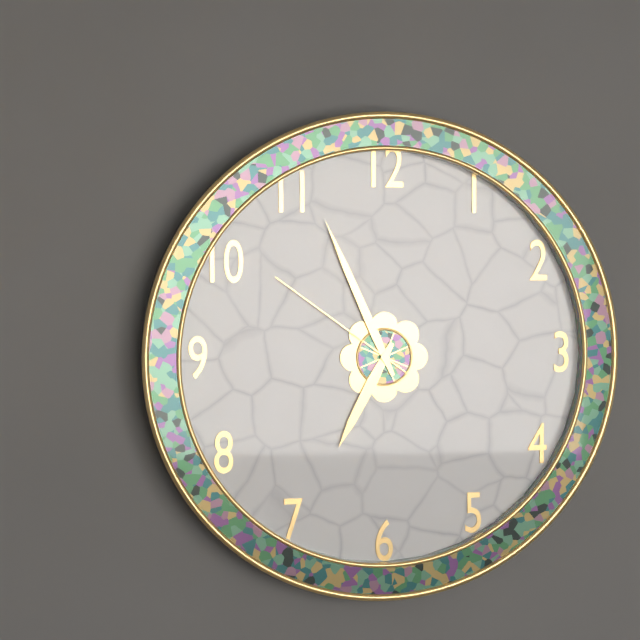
6:56:51
